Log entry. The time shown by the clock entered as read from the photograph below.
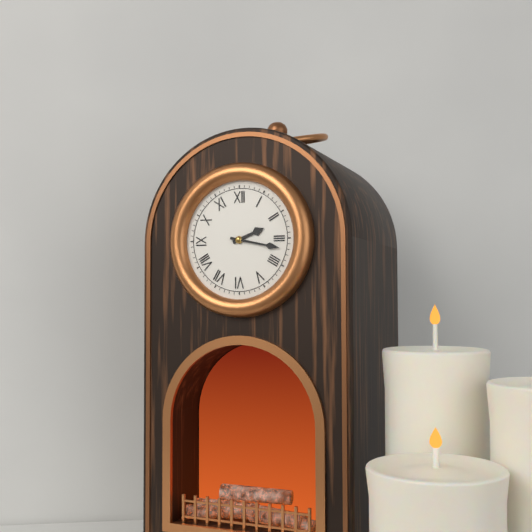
2:17
